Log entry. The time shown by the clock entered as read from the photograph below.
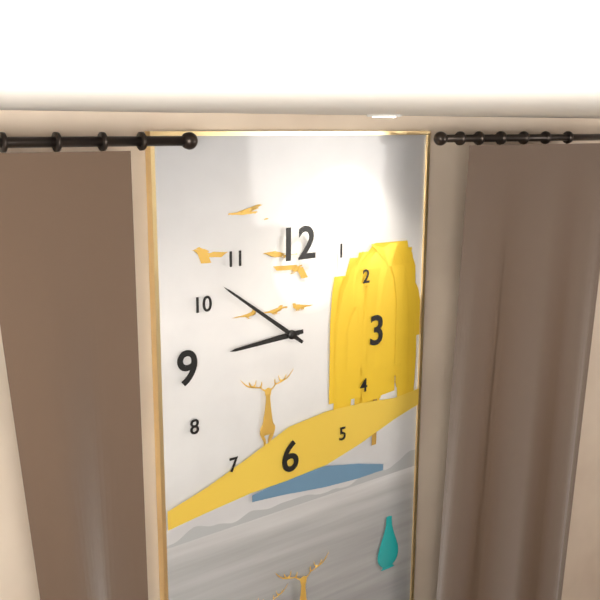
8:51
